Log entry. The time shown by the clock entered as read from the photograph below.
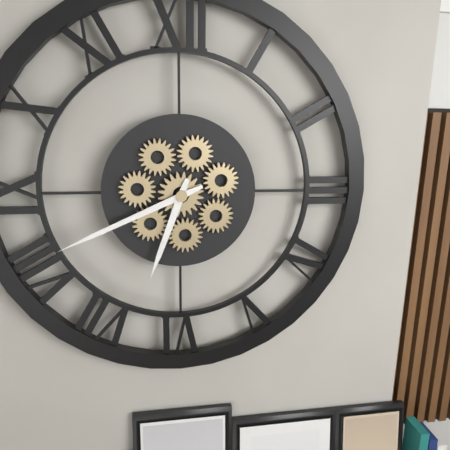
6:41
